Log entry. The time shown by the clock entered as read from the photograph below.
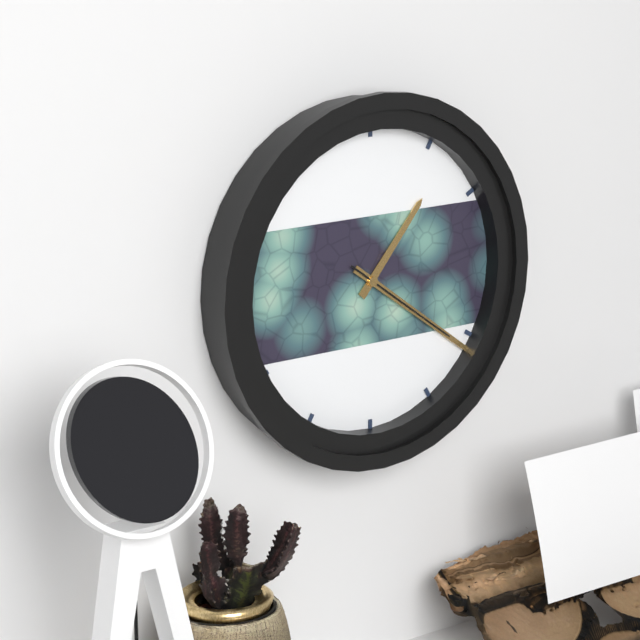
1:21:21
